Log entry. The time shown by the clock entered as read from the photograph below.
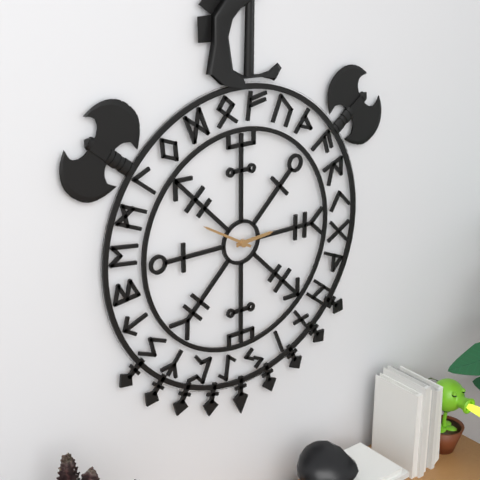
2:50
